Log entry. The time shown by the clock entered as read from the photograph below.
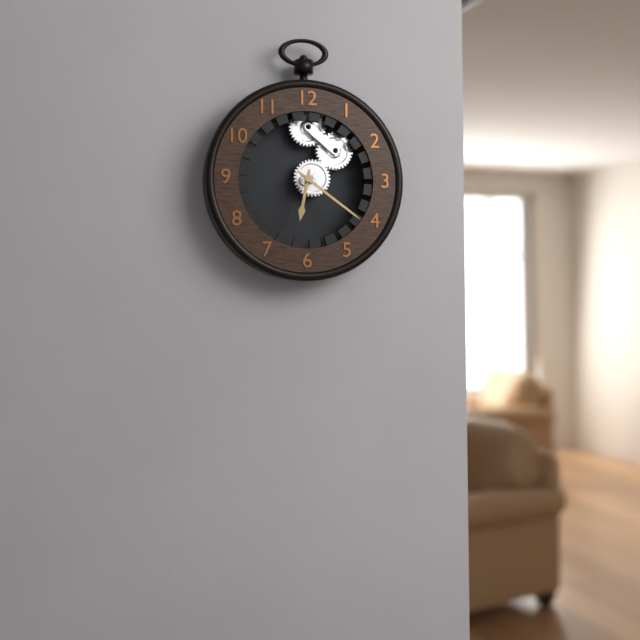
6:21
